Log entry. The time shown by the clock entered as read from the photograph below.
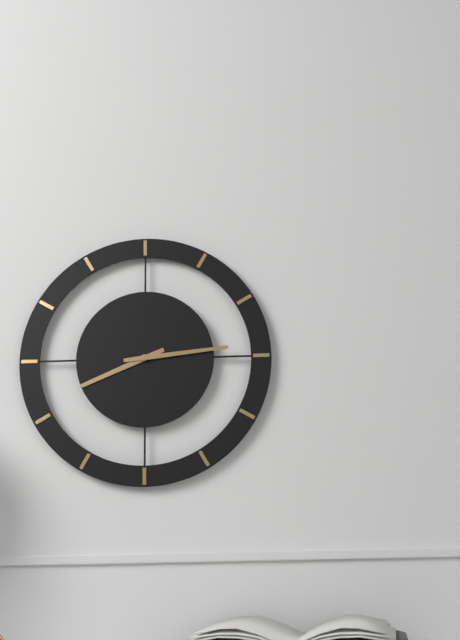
8:14
